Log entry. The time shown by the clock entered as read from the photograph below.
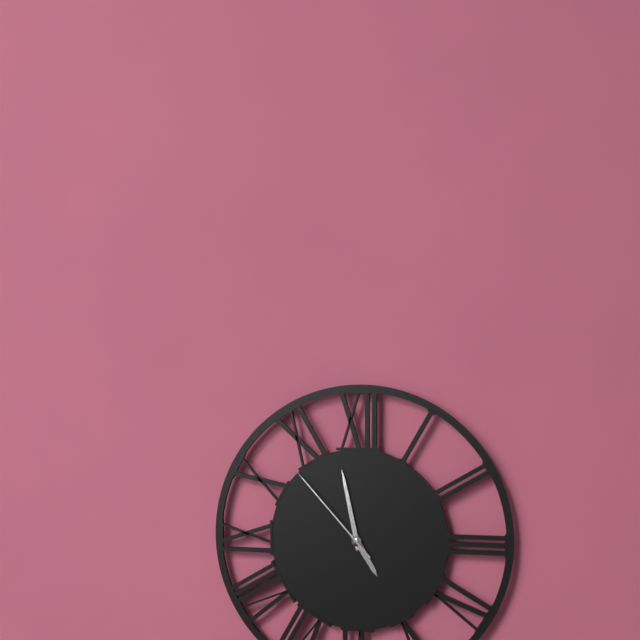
4:58:53
